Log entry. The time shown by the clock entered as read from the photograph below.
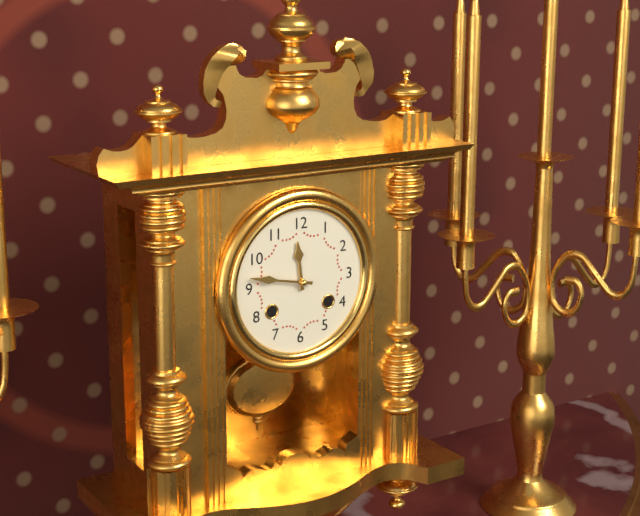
11:47
